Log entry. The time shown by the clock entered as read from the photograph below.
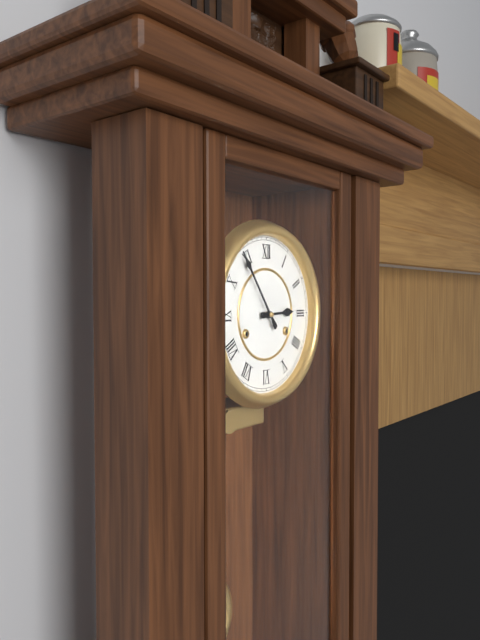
2:54
